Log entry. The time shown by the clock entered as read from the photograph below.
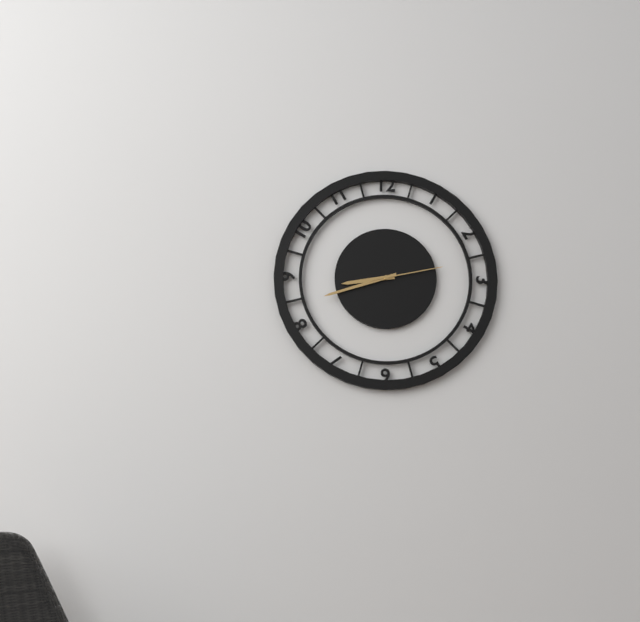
8:42:13
